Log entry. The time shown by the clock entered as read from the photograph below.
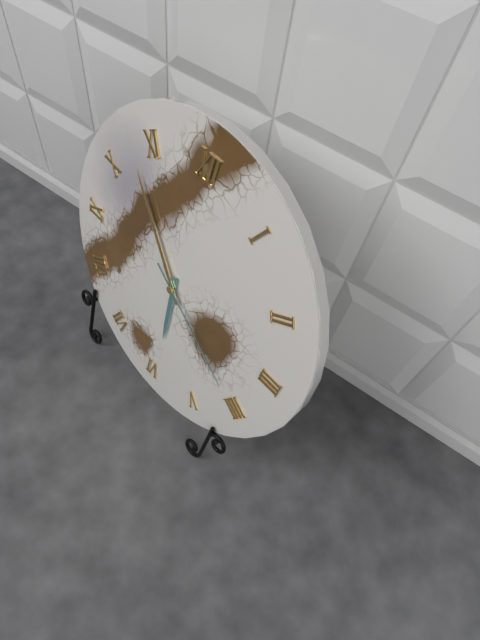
5:53:20
